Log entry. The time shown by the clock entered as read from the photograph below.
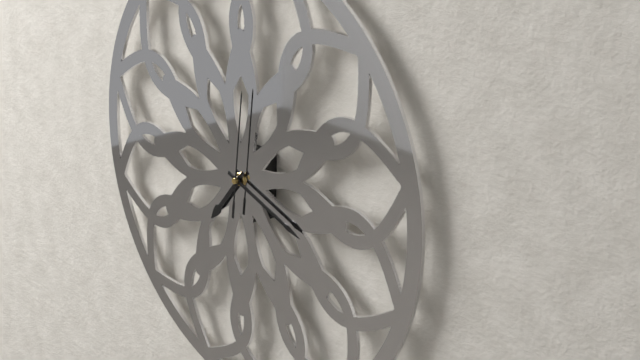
7:18:01
